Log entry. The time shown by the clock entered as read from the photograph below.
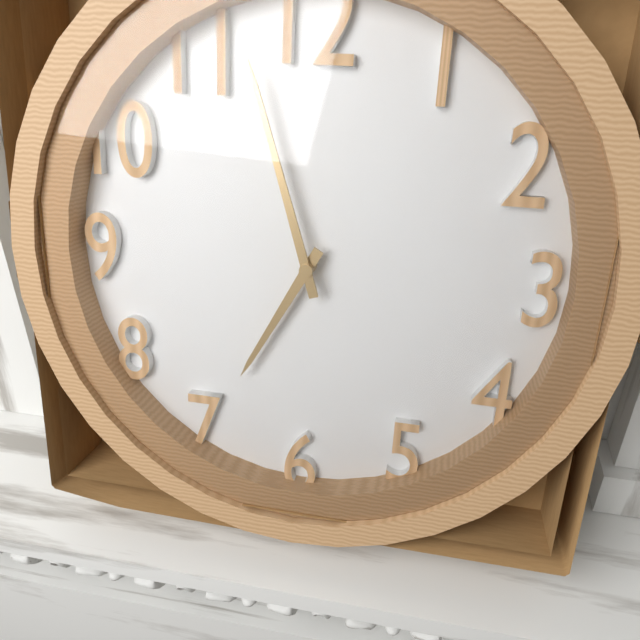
6:57
